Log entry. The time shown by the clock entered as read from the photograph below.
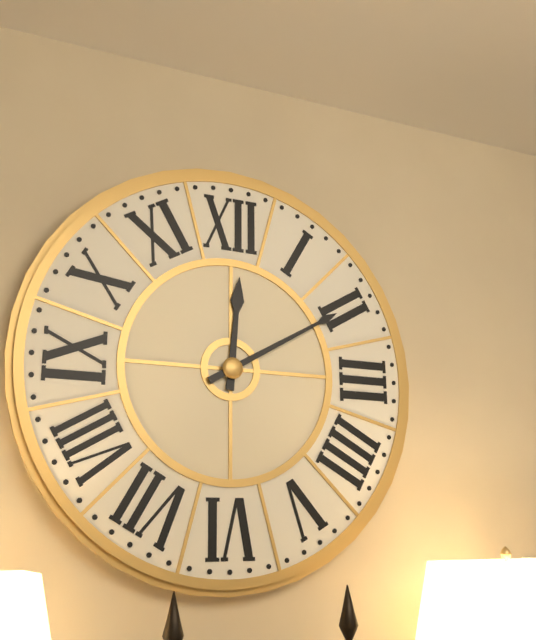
12:10
